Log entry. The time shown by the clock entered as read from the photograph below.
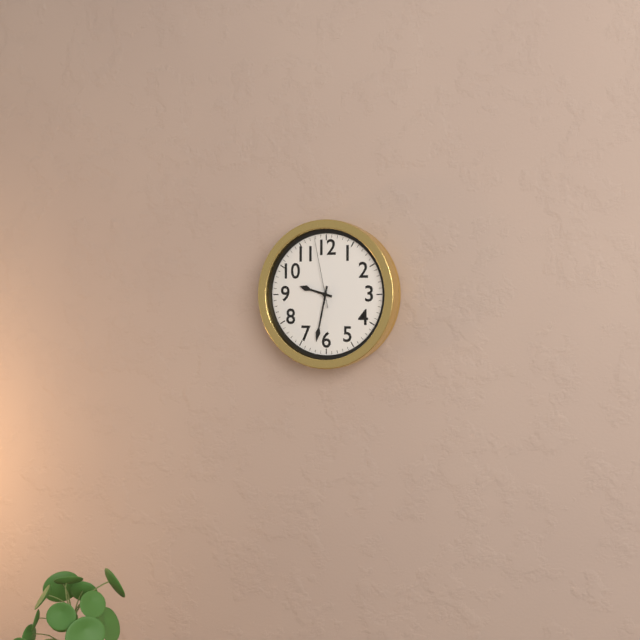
9:32:58
